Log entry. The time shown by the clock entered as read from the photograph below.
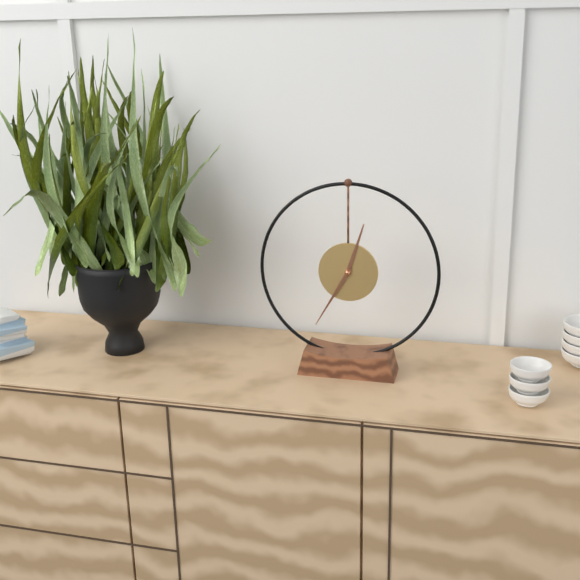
12:35
